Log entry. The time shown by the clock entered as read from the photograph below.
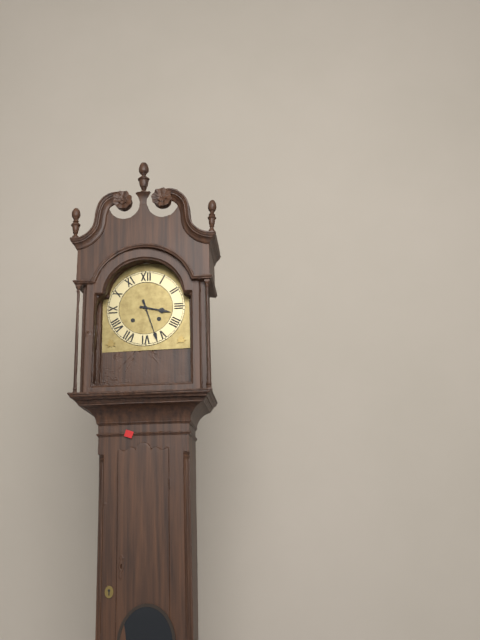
3:27
